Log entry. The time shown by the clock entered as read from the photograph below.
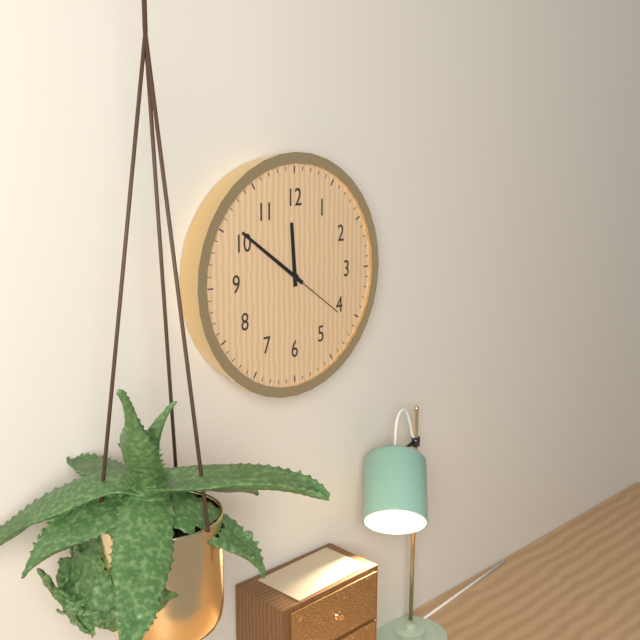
11:51:21
